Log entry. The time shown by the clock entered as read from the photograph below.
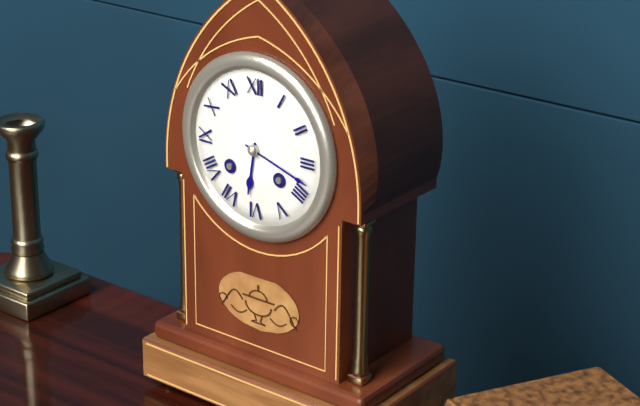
6:18
